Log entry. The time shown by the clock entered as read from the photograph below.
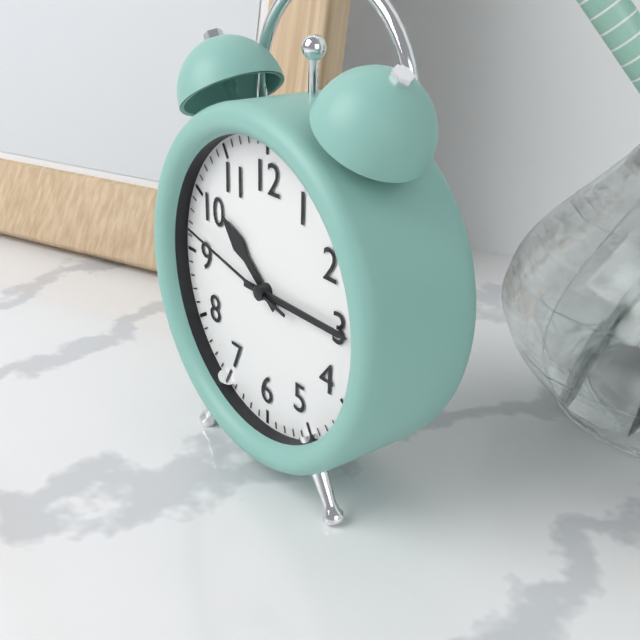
10:15:47
